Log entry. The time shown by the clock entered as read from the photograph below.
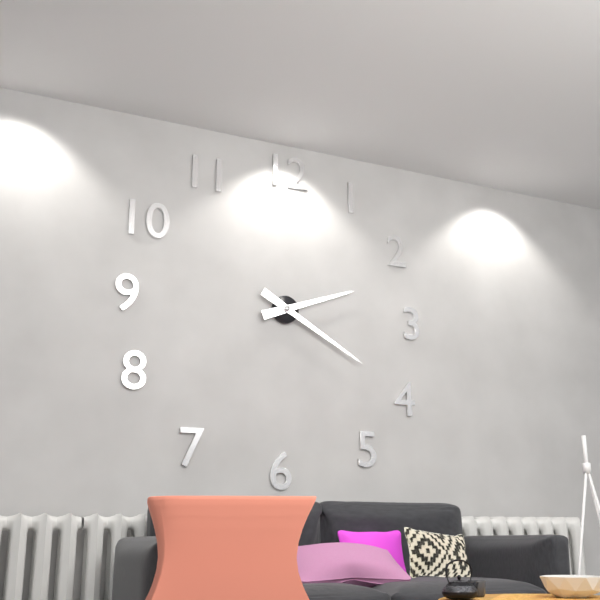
2:20
